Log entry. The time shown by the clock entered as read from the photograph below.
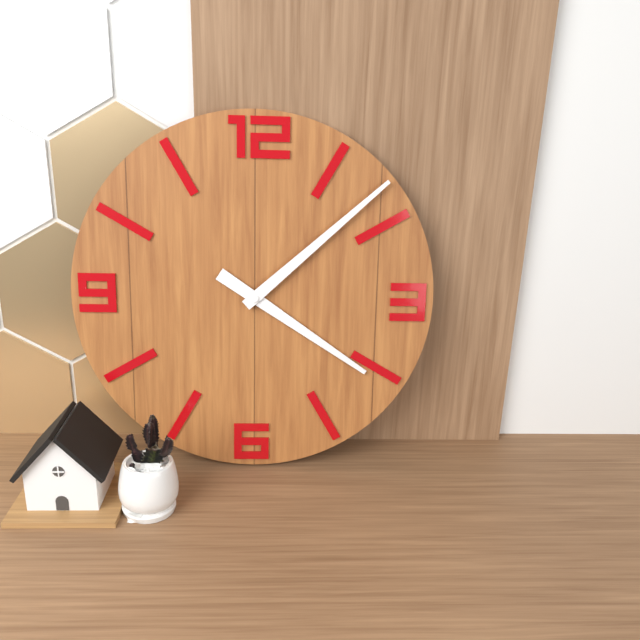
4:08
